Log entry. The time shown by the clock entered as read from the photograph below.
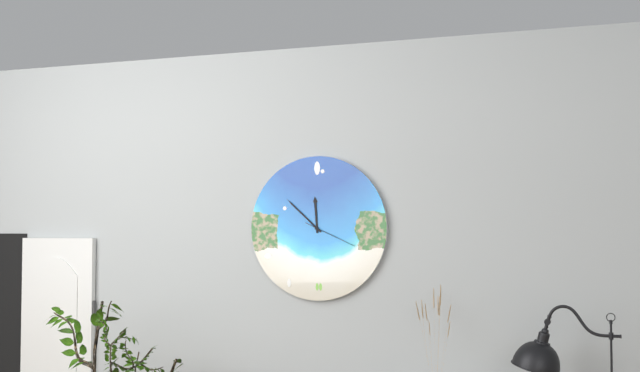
11:52:19
